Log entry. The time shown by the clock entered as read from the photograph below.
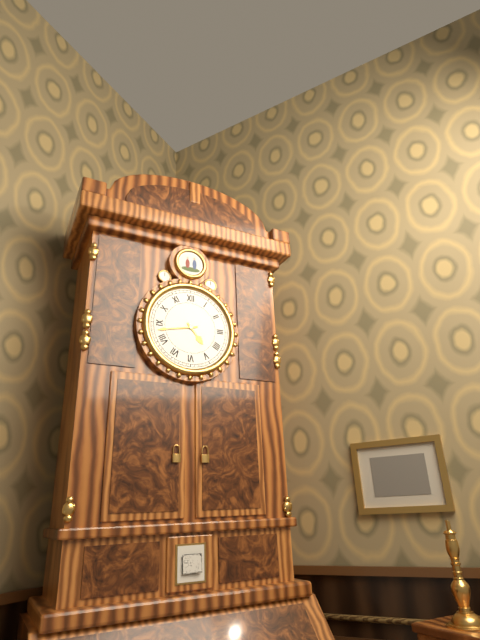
4:43
